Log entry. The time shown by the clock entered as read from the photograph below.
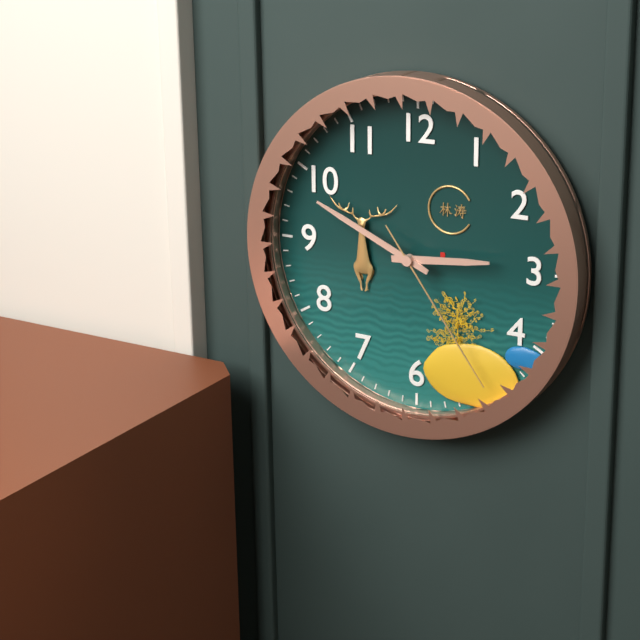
2:49:24
